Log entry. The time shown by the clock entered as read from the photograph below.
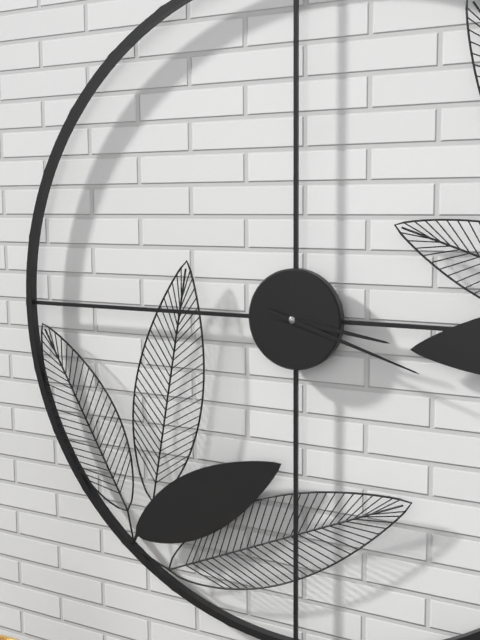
3:18
